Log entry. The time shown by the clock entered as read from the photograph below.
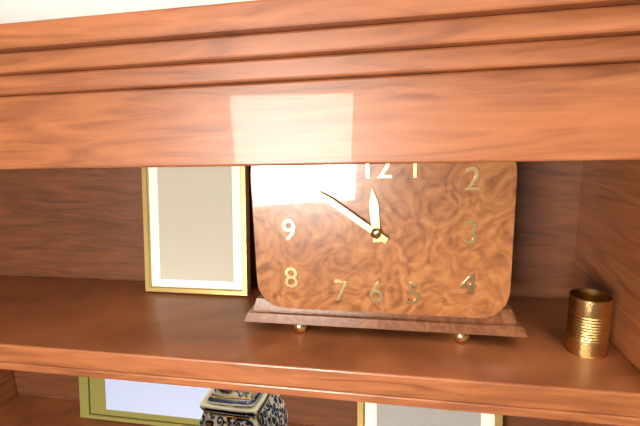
11:51
